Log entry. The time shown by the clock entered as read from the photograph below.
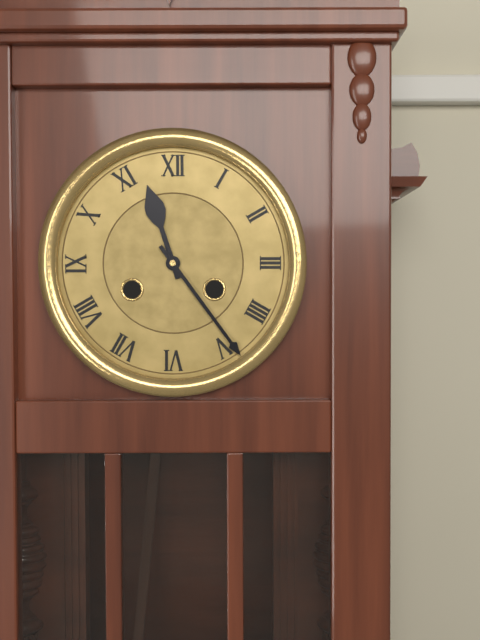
11:24
